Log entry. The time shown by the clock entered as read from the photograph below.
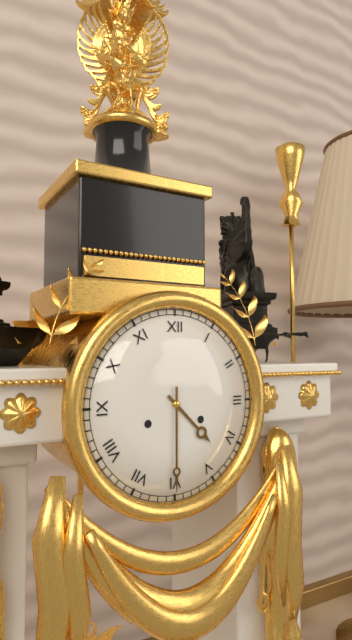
4:30
